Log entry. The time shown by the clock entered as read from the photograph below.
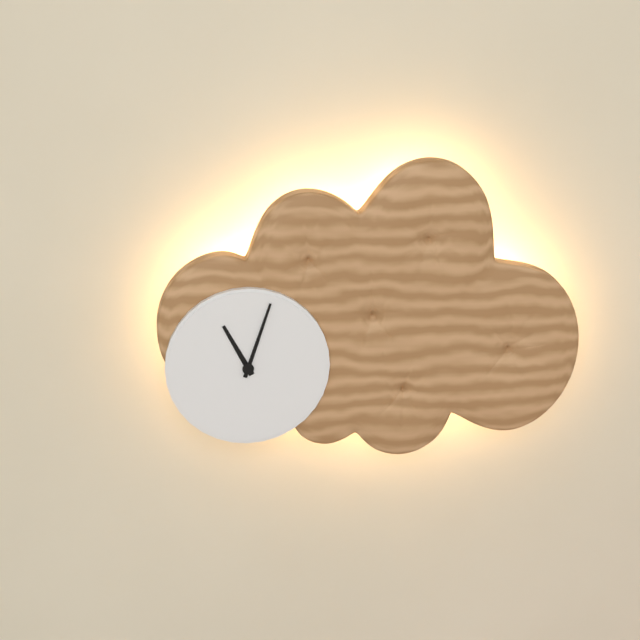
11:03
